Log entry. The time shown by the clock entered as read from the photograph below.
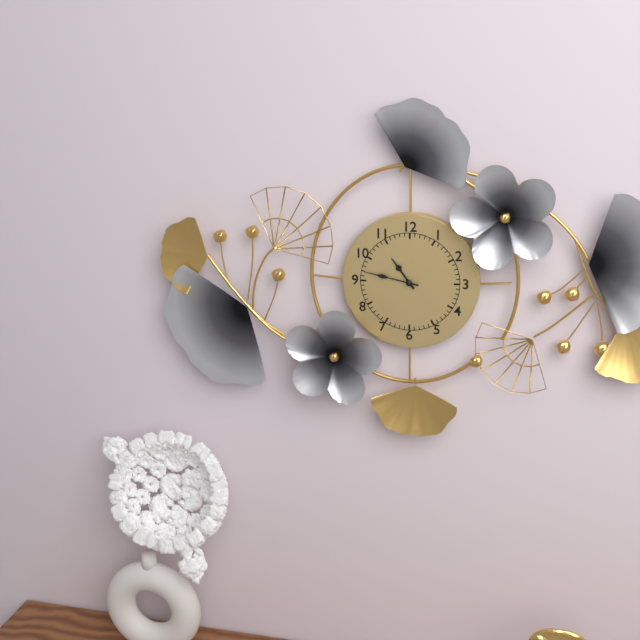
10:47
